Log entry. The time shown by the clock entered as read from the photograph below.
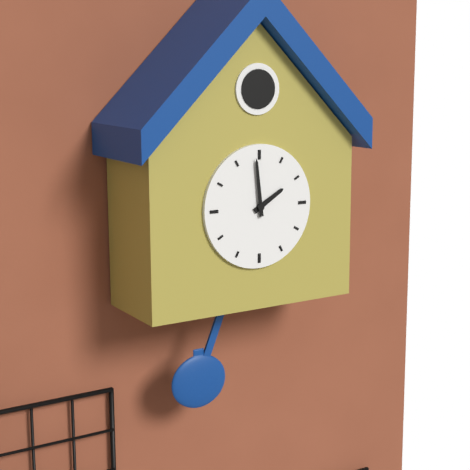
1:59
